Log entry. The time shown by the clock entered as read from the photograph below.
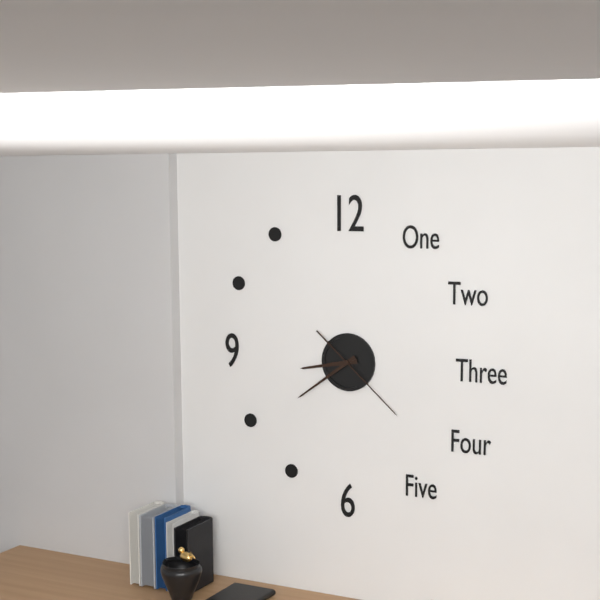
8:39:22
